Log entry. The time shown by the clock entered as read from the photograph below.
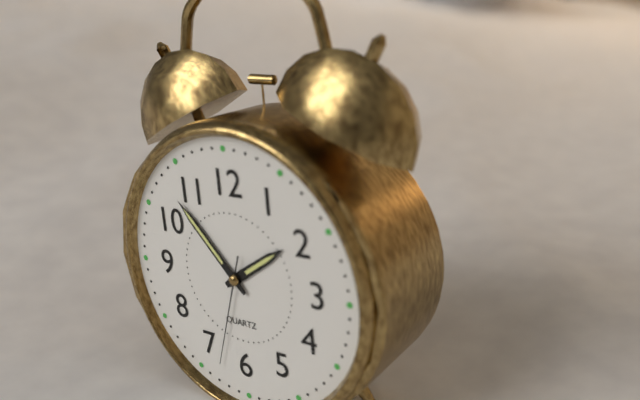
1:53:33
